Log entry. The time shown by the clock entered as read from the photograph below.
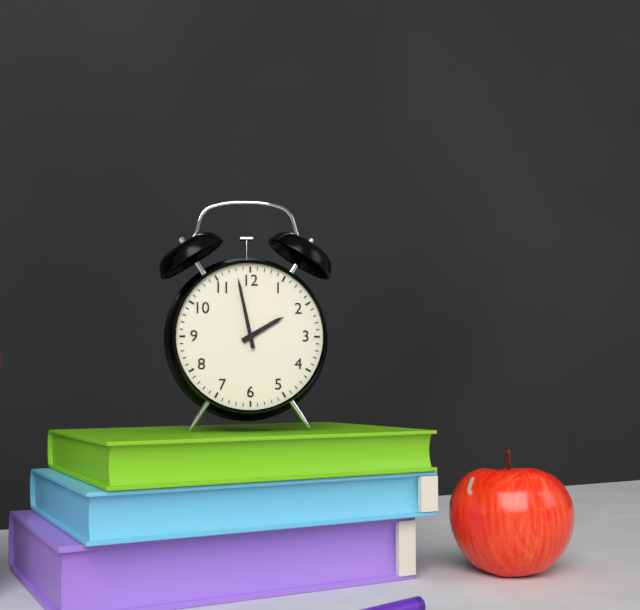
1:58
